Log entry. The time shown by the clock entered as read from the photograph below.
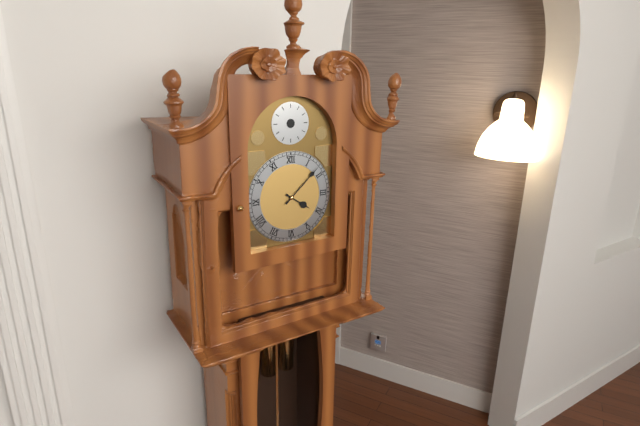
4:08
